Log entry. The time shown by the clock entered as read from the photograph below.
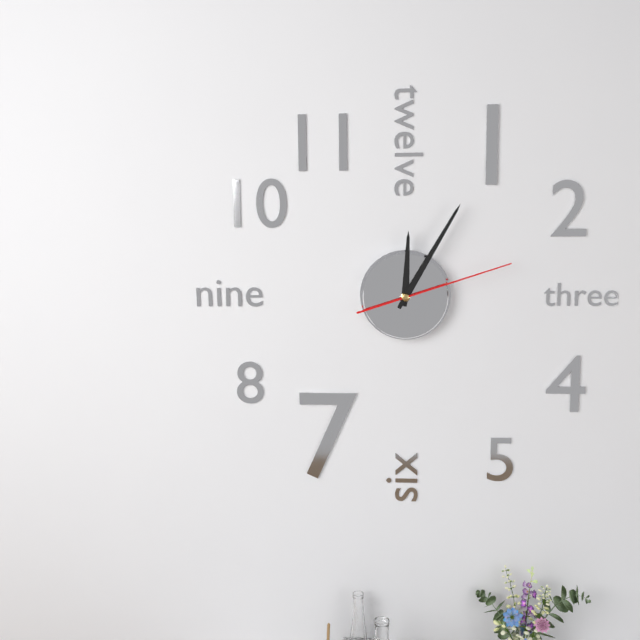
12:05:12
